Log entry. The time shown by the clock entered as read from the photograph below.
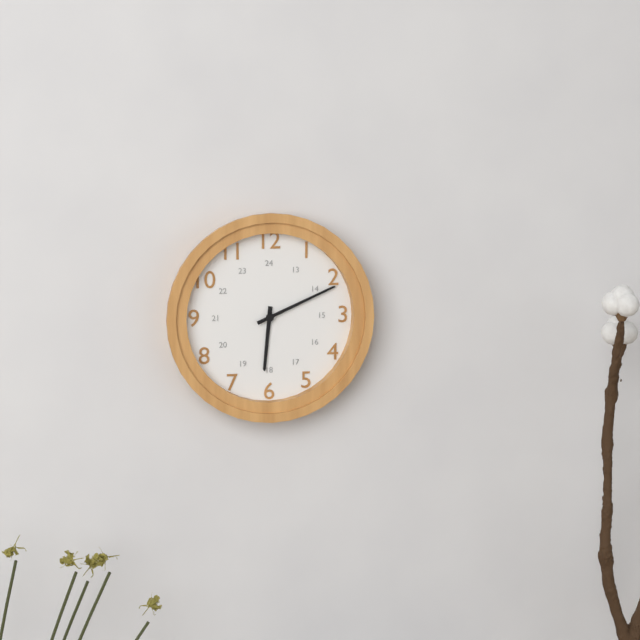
6:11
